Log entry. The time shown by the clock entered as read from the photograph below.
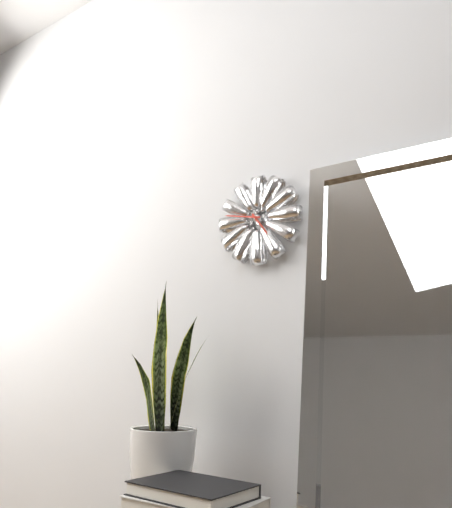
4:47
